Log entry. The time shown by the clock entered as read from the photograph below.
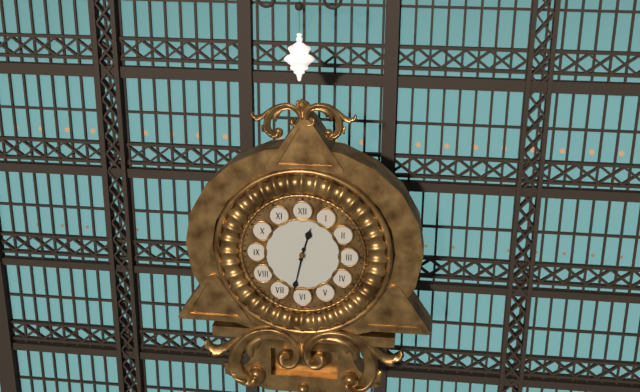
12:32
